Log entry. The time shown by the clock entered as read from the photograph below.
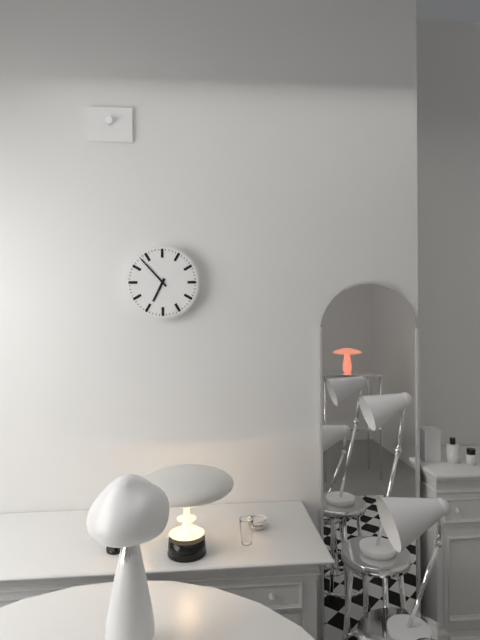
6:53
